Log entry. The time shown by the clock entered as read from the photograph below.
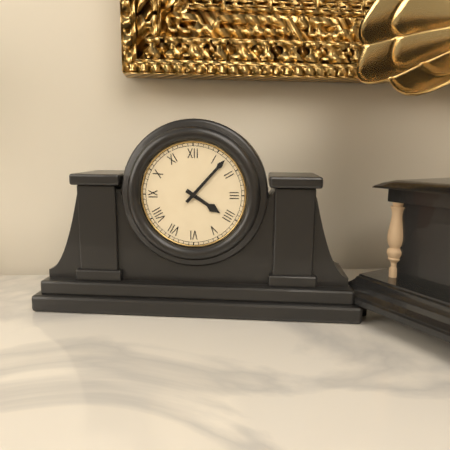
4:07
